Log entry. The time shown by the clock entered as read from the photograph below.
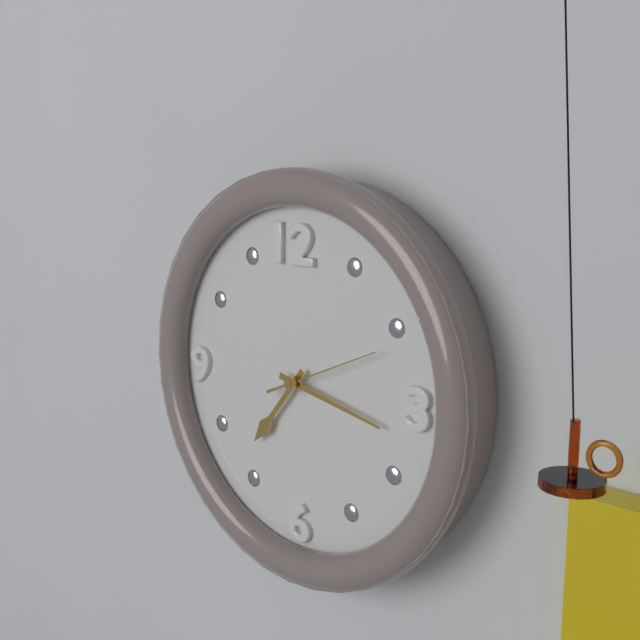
7:17:11
